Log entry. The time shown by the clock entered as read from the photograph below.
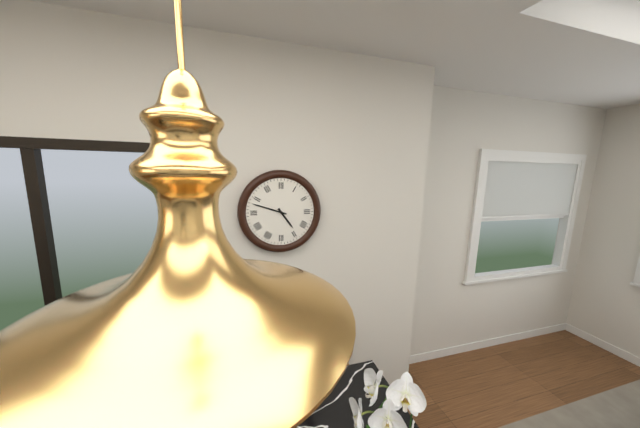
4:48
